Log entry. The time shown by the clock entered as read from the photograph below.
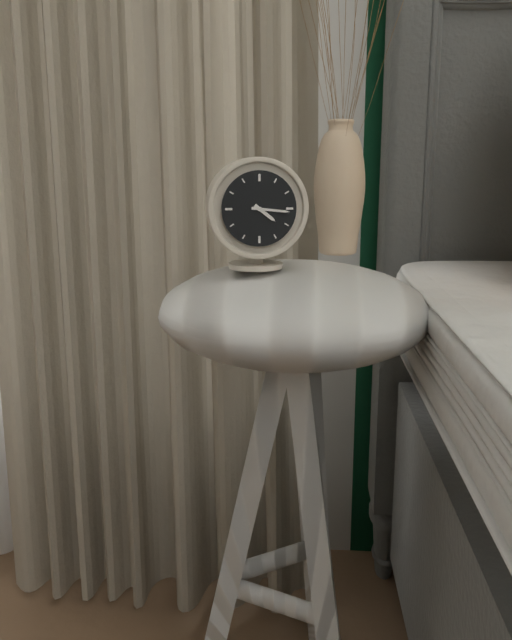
4:16
